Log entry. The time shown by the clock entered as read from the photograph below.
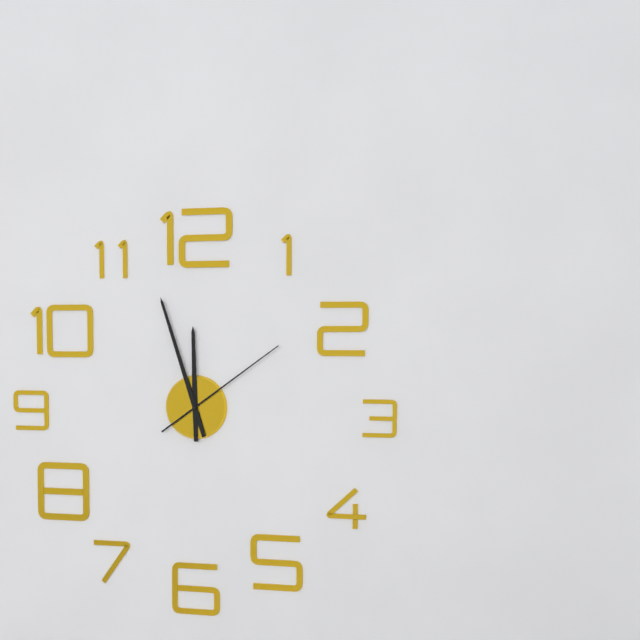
11:57:09
